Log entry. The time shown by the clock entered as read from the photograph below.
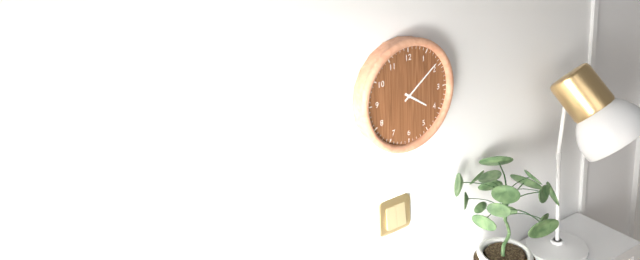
4:09
